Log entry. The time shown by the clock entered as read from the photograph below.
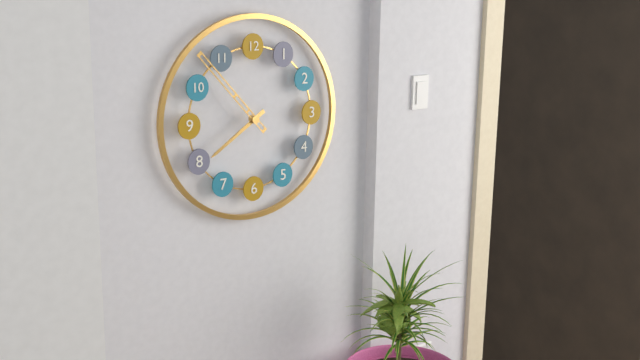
7:53
